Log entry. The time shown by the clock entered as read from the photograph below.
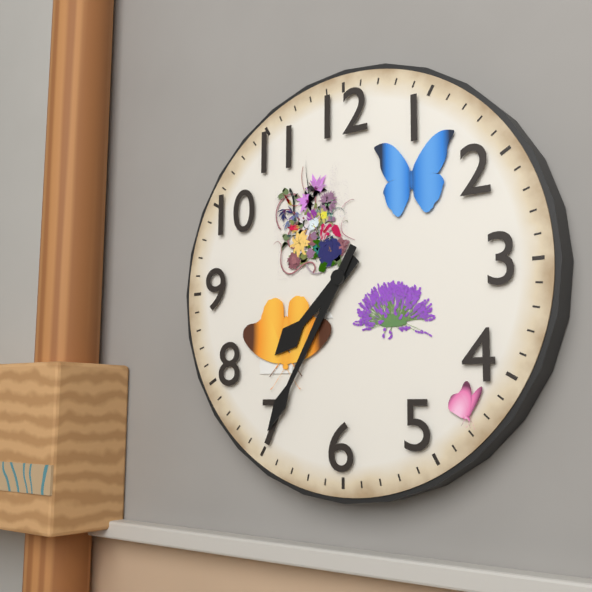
7:35
